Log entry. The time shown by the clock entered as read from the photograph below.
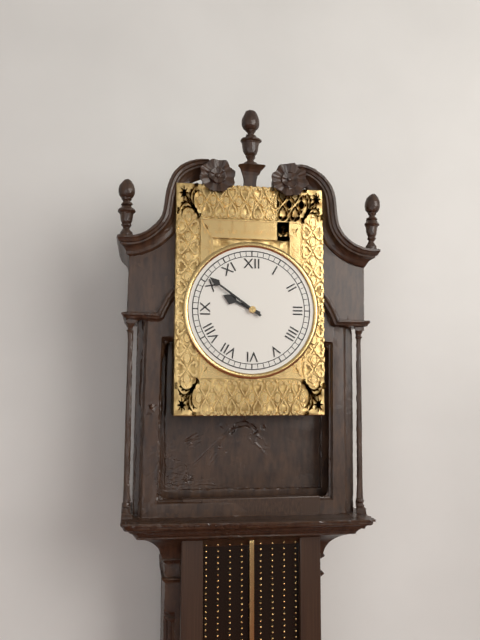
9:51
